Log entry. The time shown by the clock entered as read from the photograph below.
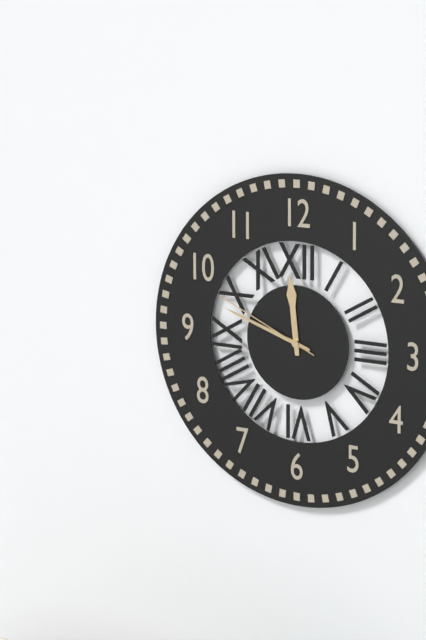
11:48:49
